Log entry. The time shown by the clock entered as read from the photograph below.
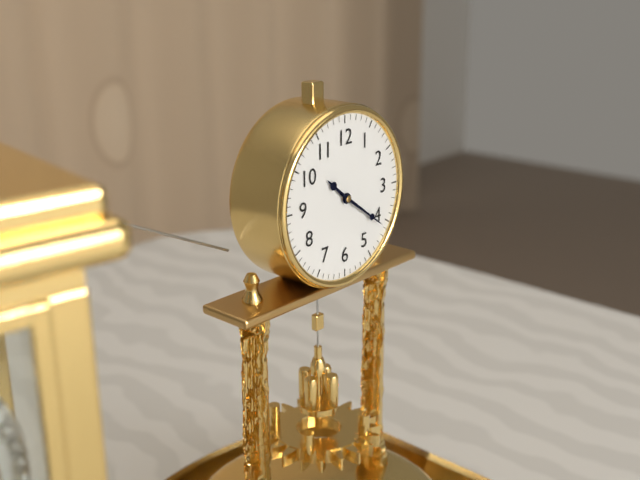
10:21
